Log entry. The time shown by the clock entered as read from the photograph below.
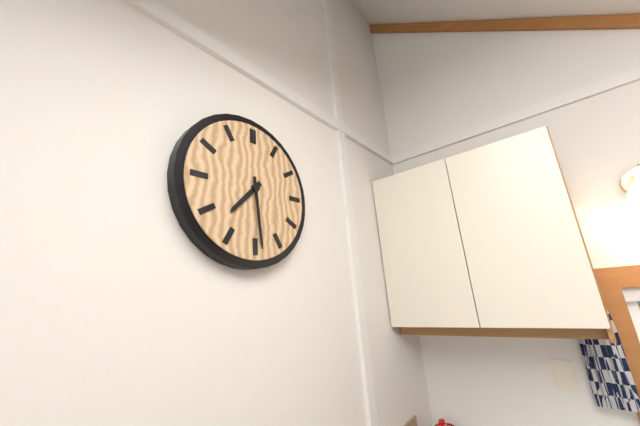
7:29
